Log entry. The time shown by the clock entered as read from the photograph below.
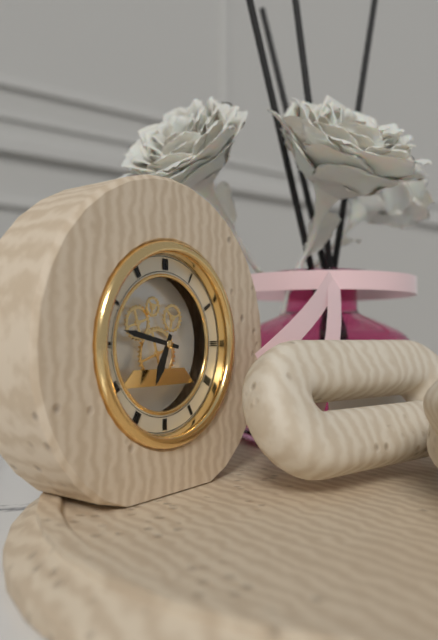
6:47
